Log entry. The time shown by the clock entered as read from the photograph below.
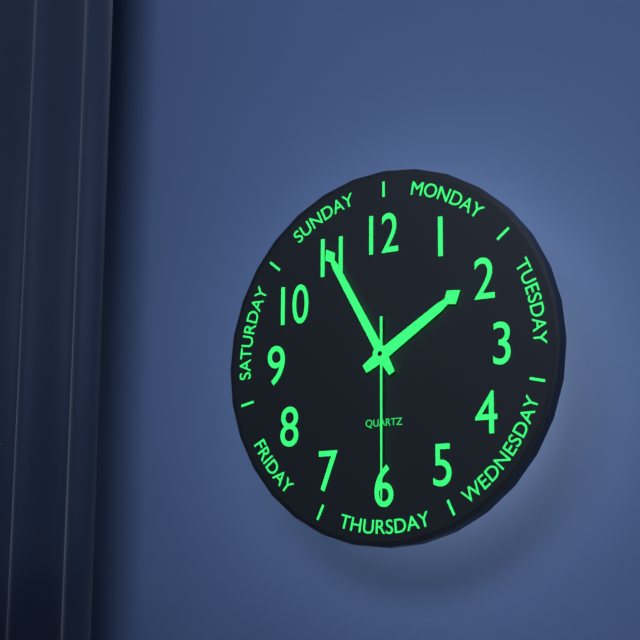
1:55:30
